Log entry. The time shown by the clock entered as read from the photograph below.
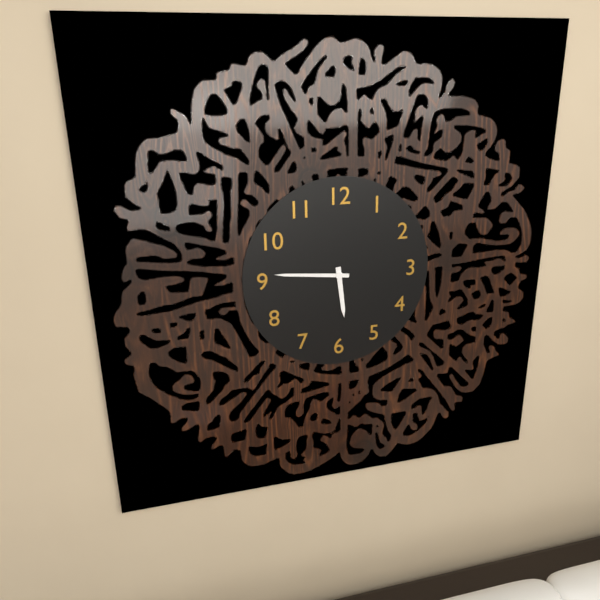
5:46
